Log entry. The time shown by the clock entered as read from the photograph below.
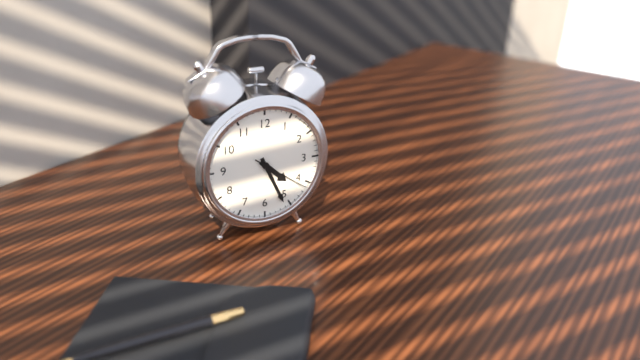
4:26:21
